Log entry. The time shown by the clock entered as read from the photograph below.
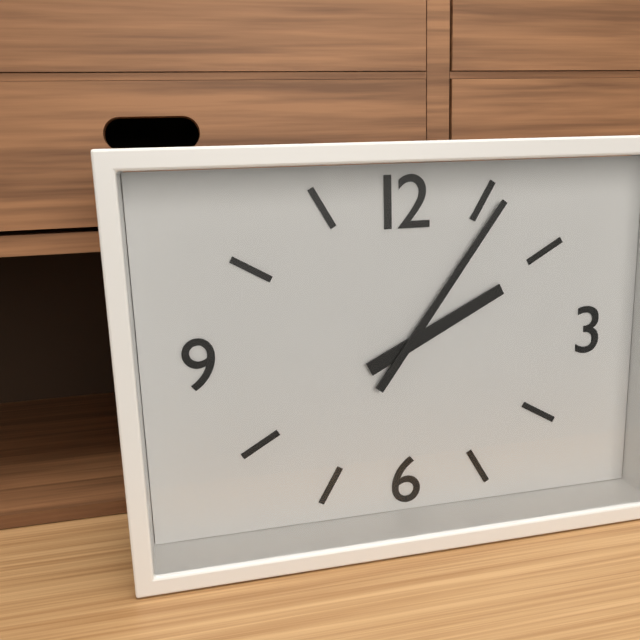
2:06
